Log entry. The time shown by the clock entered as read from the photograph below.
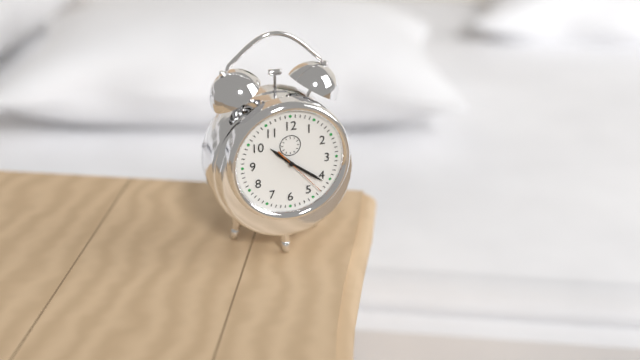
10:21
